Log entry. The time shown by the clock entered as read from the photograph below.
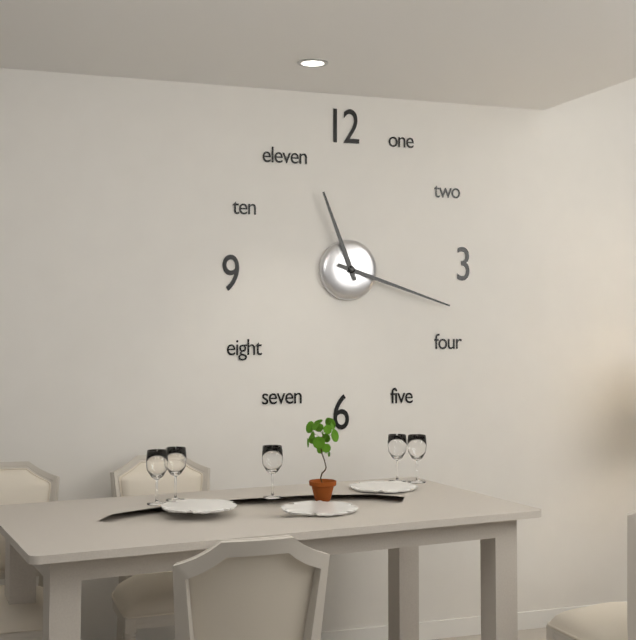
11:18
